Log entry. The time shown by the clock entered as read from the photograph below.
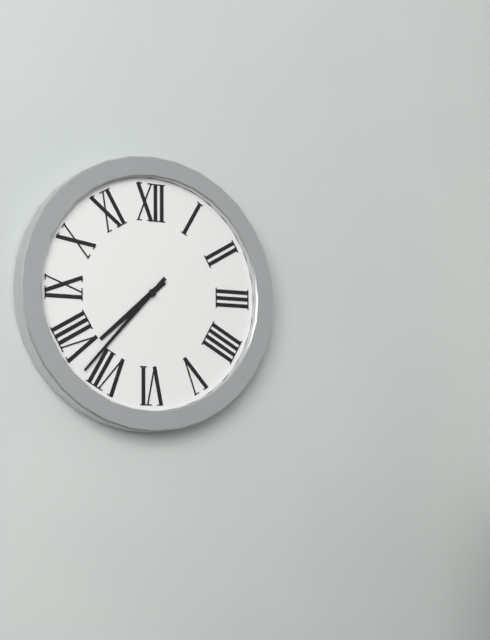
7:37
